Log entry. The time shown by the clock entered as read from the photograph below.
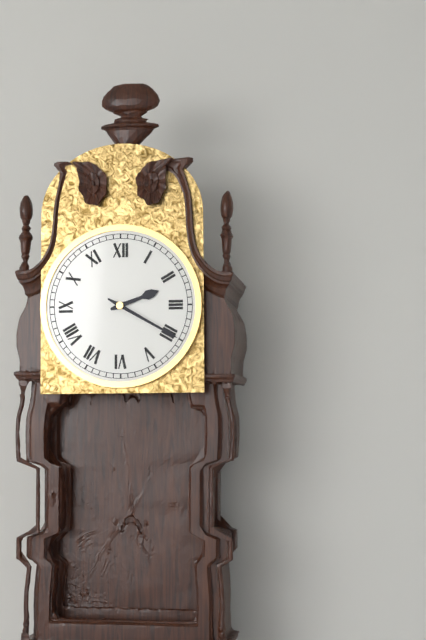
2:20
